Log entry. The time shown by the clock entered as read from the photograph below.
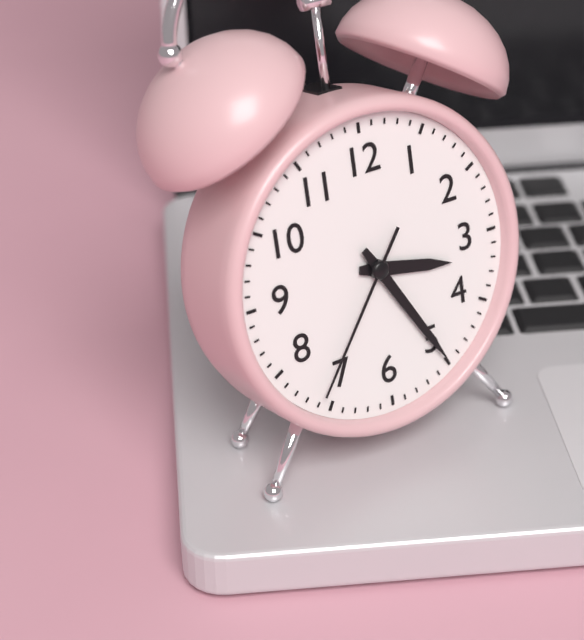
3:25:36
